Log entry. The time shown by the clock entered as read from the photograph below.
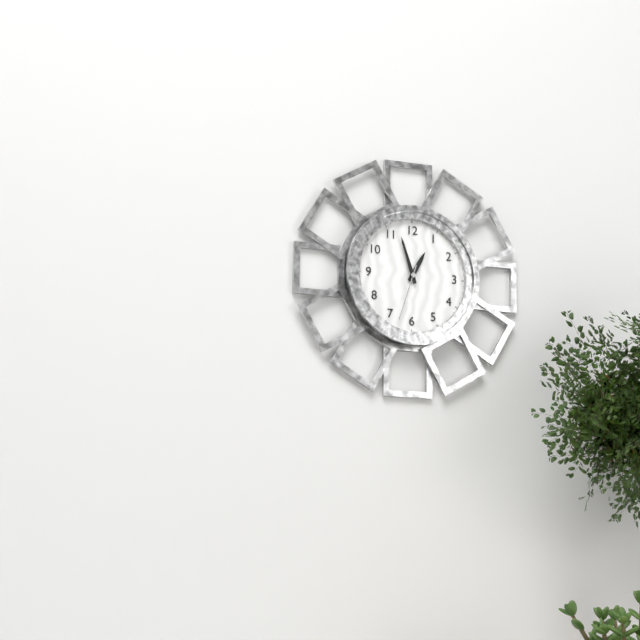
12:57:33
